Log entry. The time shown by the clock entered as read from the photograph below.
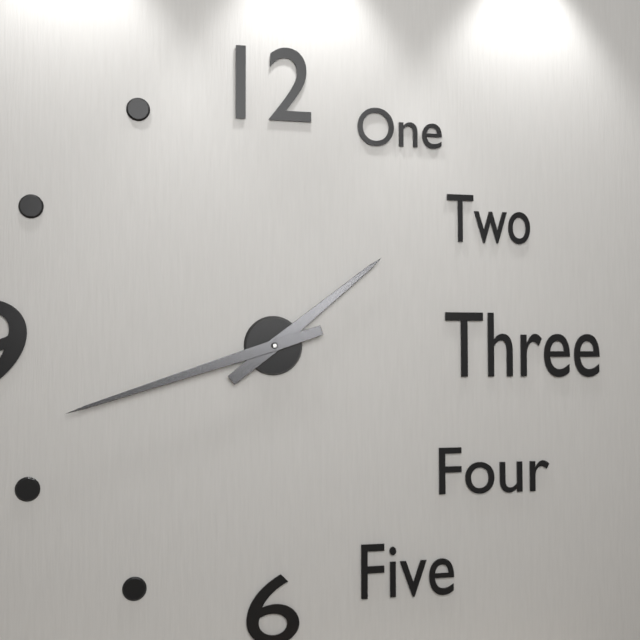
1:42
